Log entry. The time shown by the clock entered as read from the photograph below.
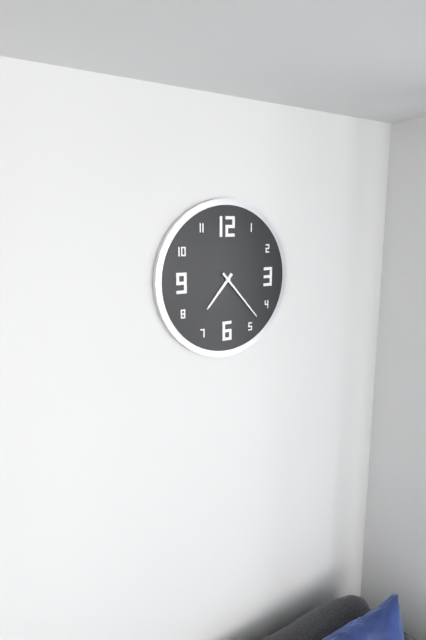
7:23
